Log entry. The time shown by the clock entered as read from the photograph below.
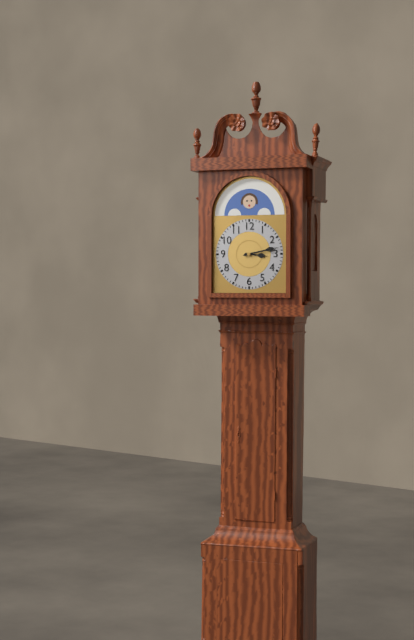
3:13
